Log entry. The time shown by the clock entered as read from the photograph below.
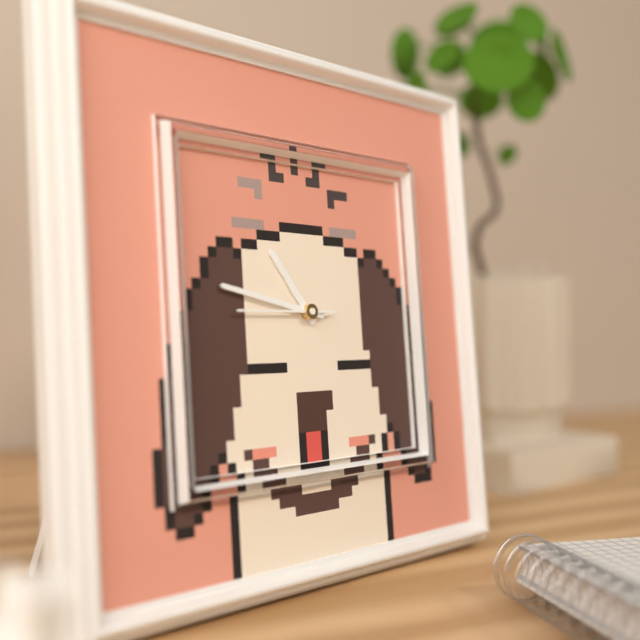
10:47:45
